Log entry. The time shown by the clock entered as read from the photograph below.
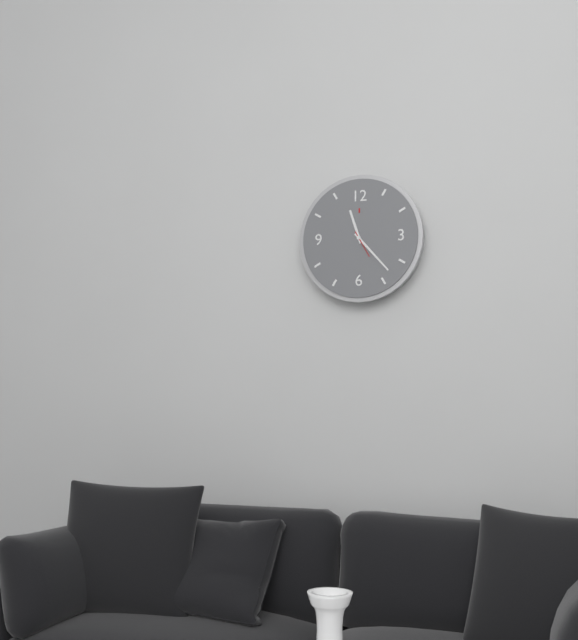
11:23
